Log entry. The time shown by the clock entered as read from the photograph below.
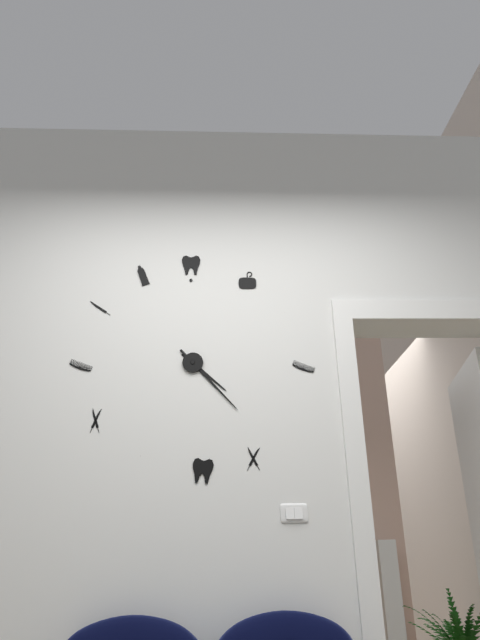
4:23
